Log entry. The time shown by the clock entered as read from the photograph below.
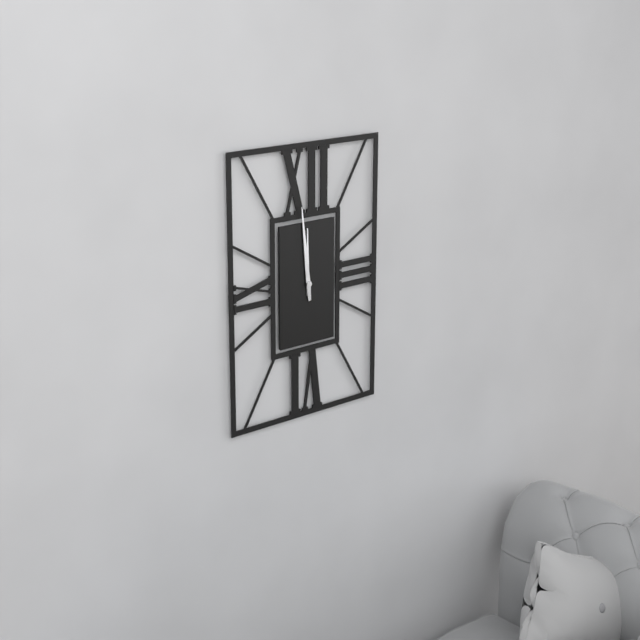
11:59
